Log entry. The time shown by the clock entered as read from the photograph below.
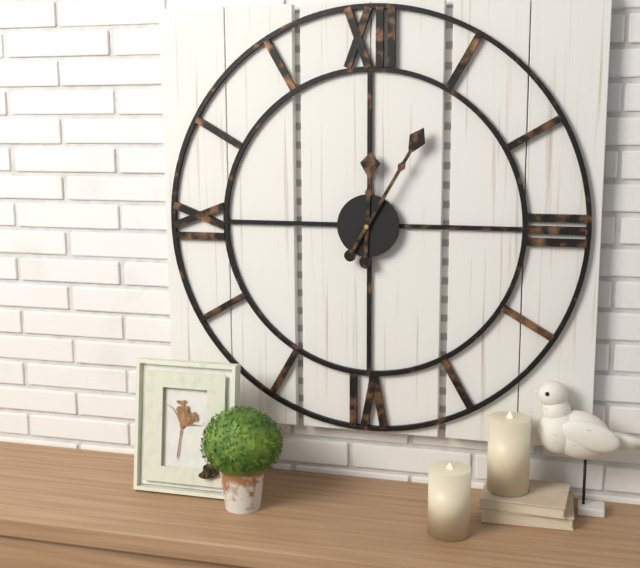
12:05
